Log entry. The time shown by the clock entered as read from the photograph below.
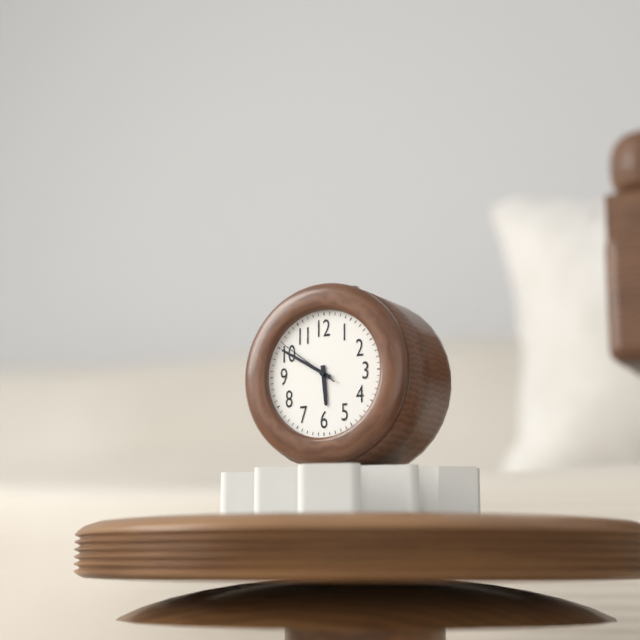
5:50:51
